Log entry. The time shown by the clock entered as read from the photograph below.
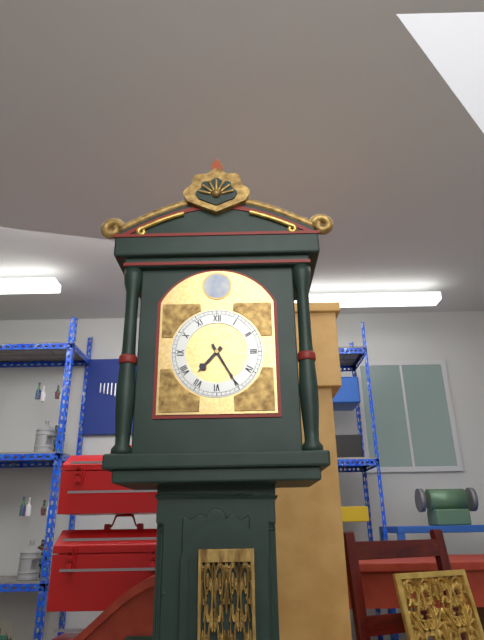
7:25
